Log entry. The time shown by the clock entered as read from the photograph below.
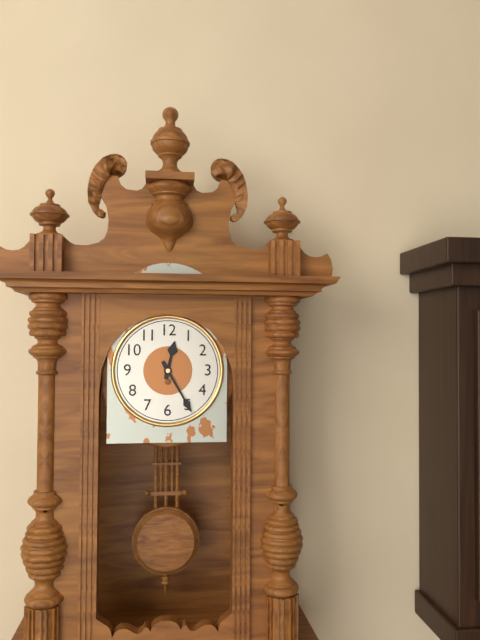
12:25
